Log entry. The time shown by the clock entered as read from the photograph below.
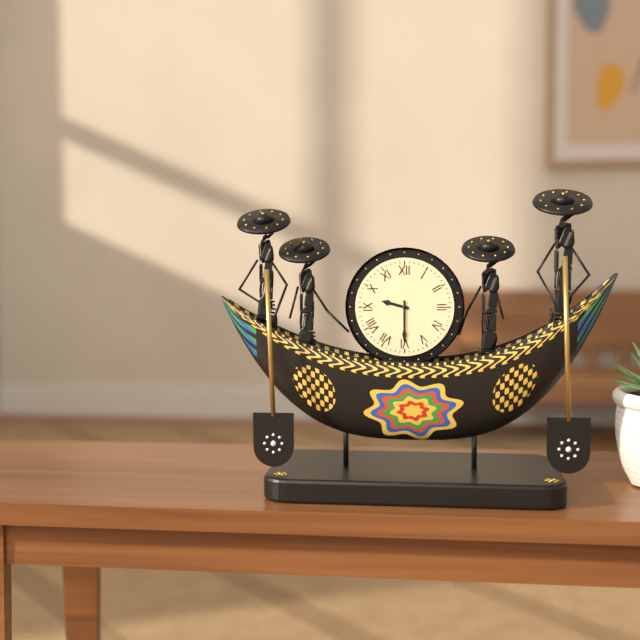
9:30
